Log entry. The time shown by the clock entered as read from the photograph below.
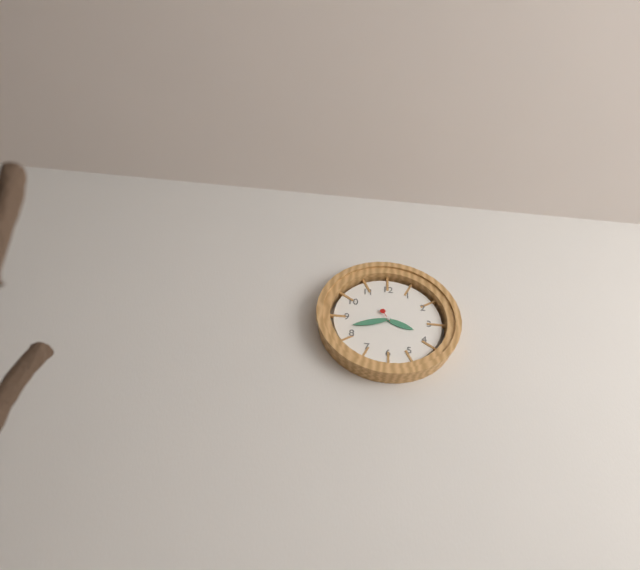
3:42
